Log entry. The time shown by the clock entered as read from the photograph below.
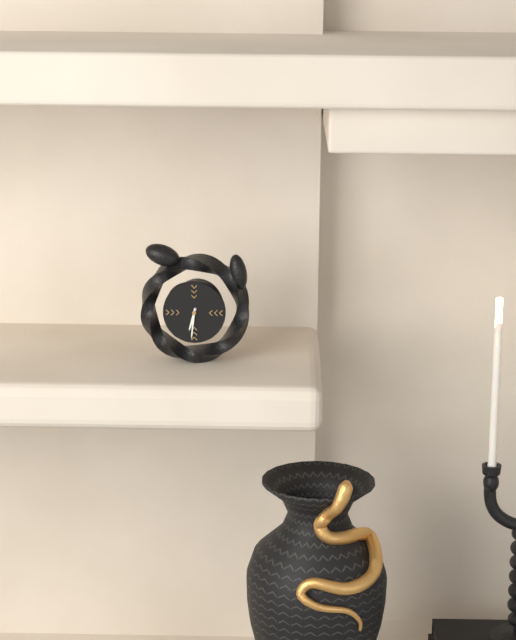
6:31
